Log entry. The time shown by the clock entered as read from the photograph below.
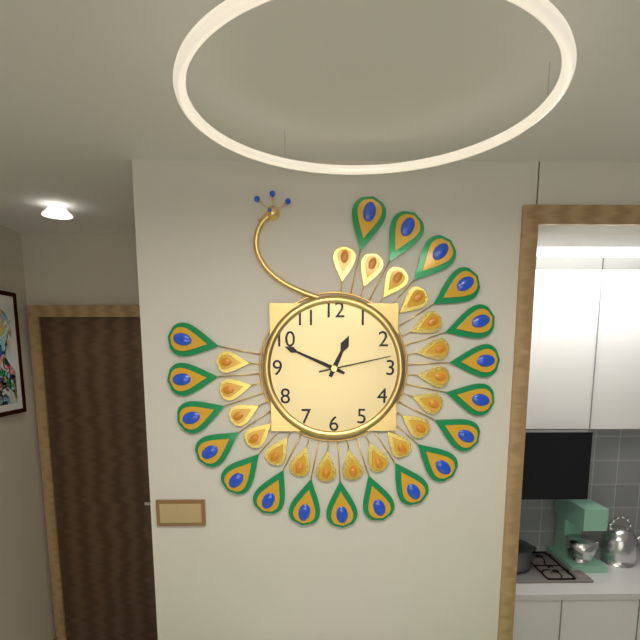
12:49:13
